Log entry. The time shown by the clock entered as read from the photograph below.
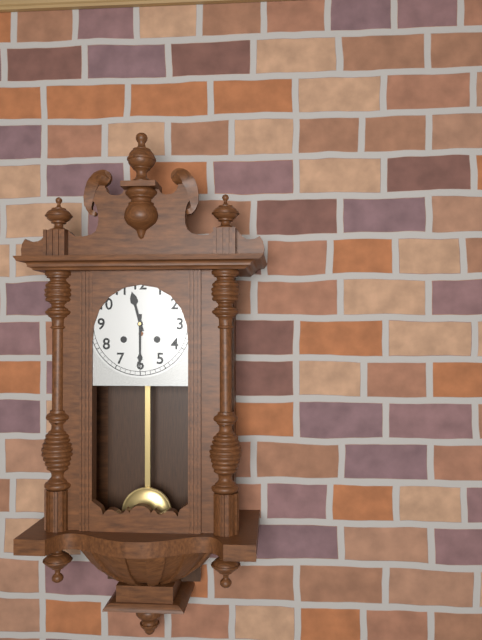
11:30
